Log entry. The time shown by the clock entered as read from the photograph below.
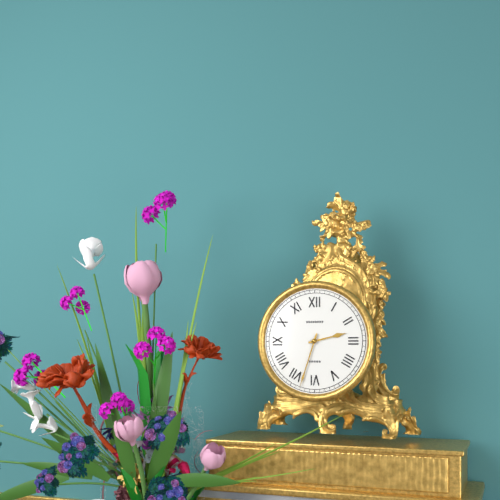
2:33
